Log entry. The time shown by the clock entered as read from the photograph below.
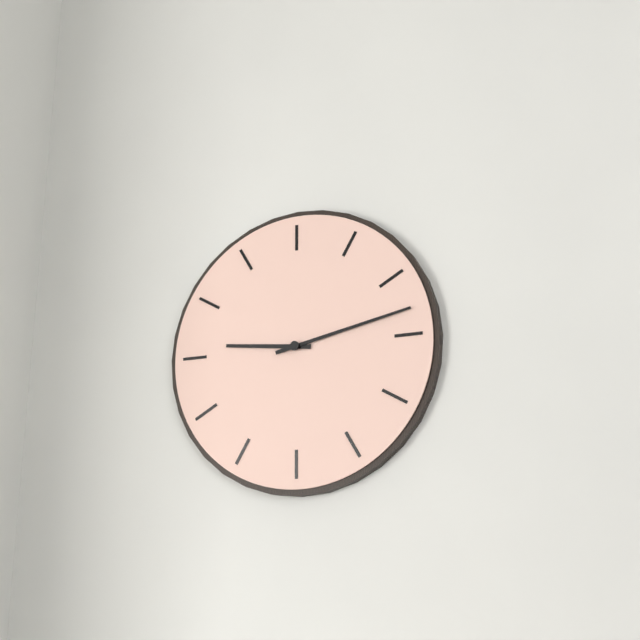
9:13
